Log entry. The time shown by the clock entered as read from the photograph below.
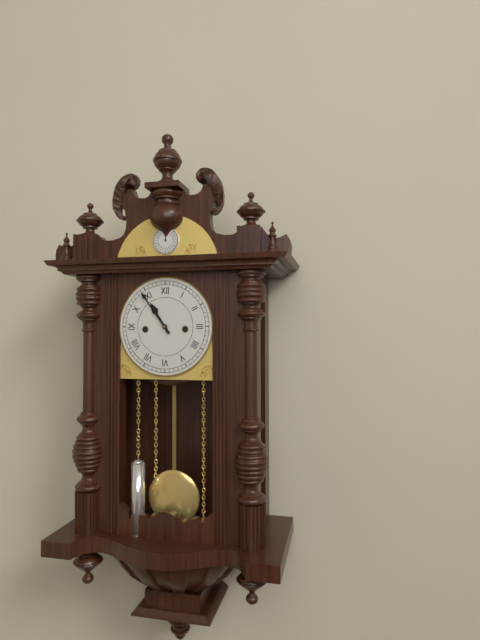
10:54
